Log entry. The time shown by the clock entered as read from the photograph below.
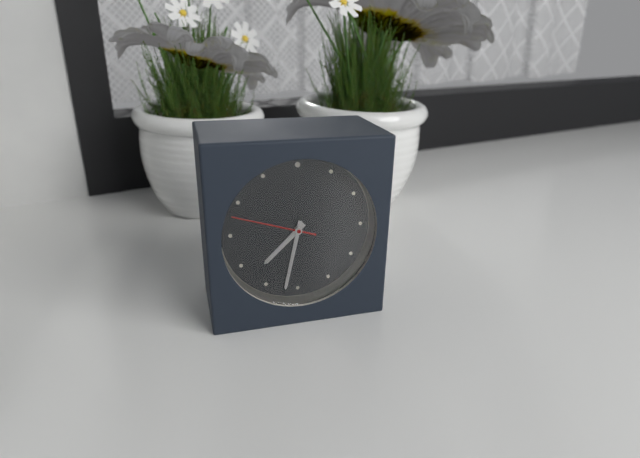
7:32:48
